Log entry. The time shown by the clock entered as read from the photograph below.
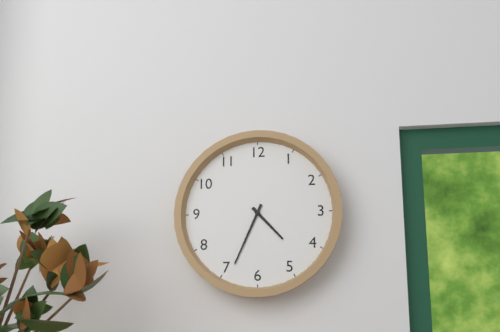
4:34
